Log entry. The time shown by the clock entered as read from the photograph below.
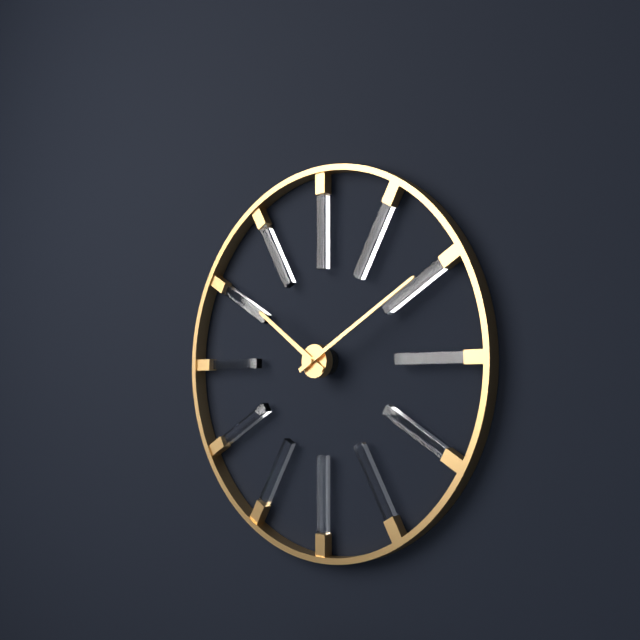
10:10
